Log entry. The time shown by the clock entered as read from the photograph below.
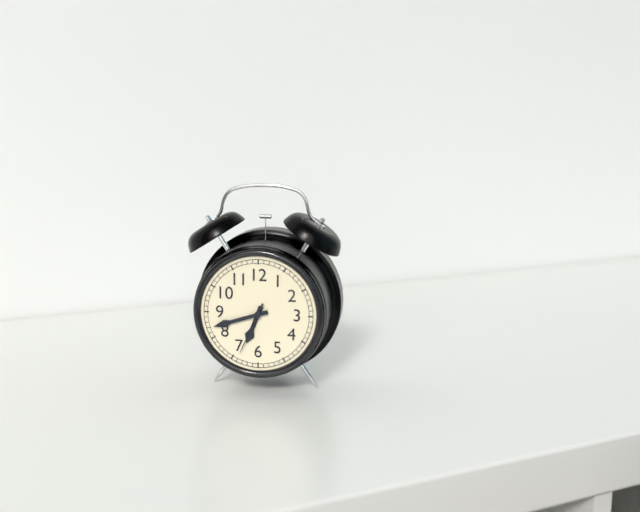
6:42:34
